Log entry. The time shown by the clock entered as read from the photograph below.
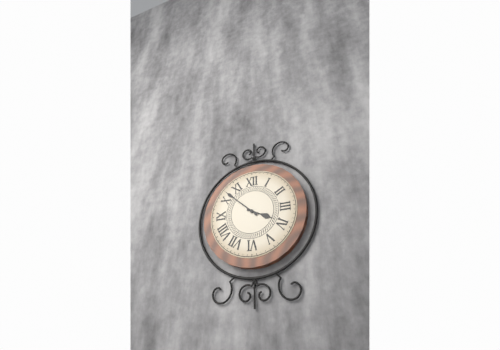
3:52
